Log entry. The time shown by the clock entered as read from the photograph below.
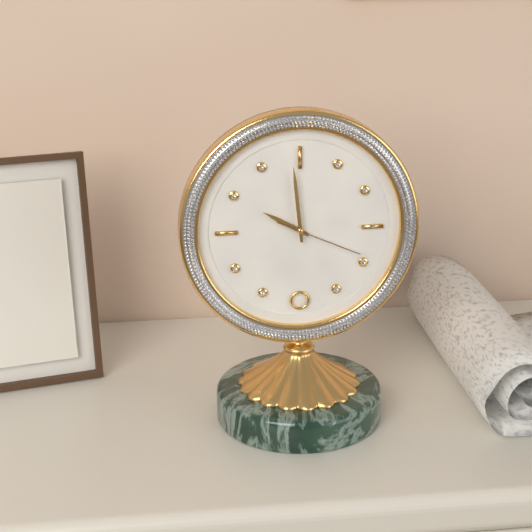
9:59:19
